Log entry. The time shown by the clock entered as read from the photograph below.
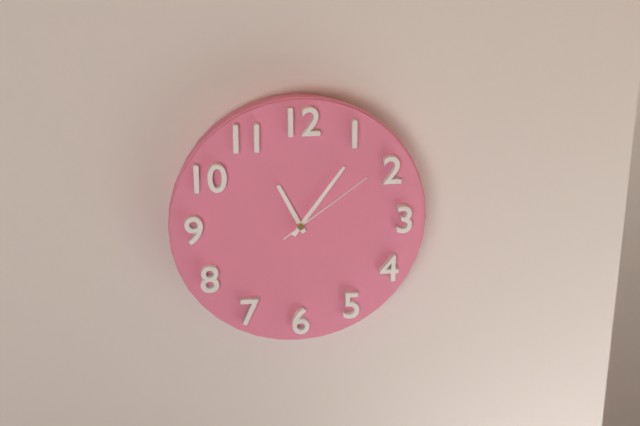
11:06:09
